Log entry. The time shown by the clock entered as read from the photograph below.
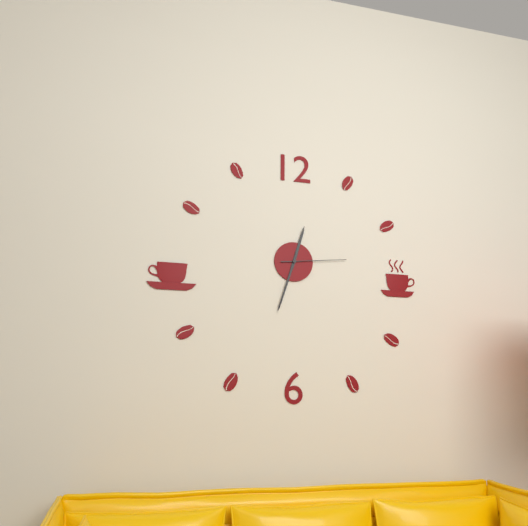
12:33:14
